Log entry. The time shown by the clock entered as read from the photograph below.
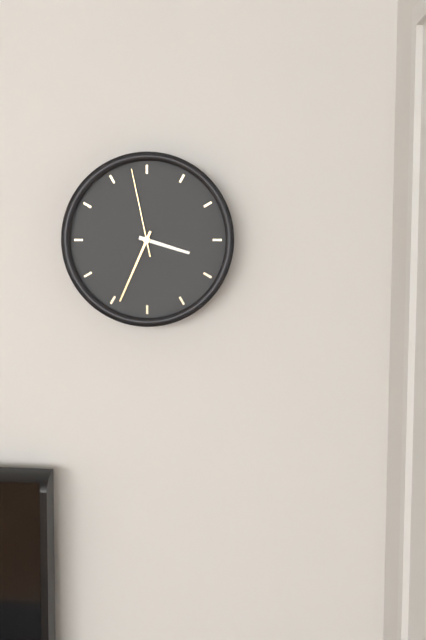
3:34:58
